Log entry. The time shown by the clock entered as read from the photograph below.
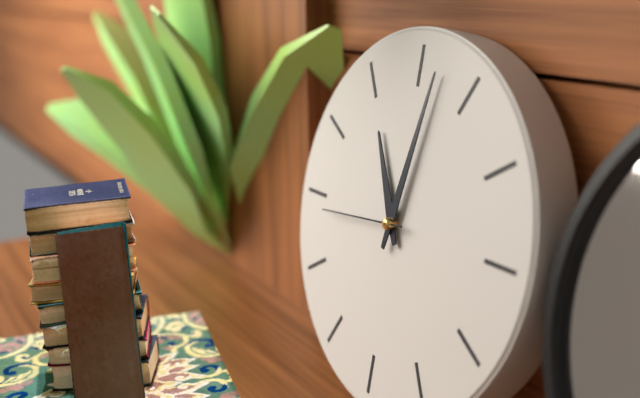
11:02:44
